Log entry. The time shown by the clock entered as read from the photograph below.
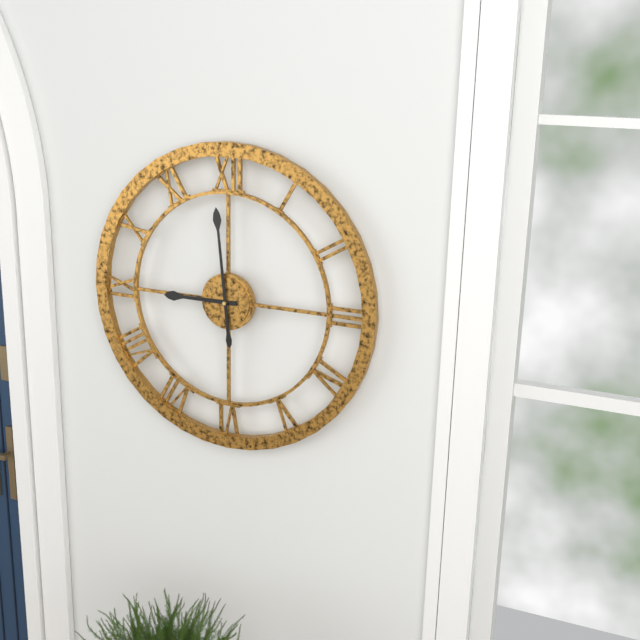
8:59
